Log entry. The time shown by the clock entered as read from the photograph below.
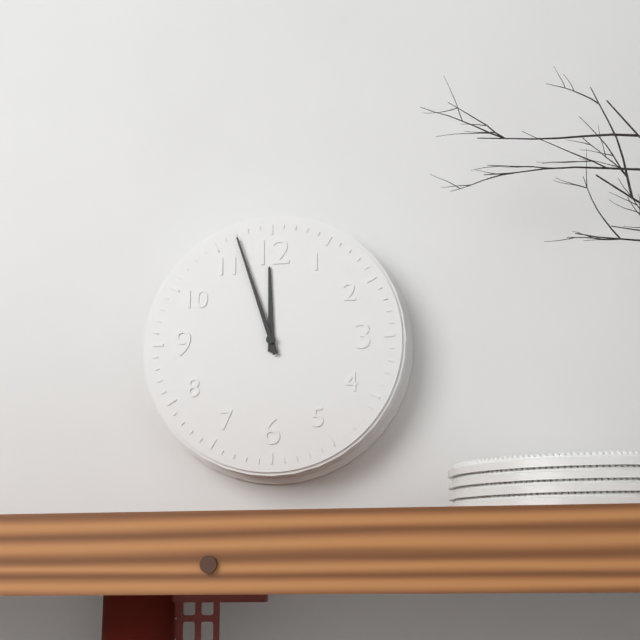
11:57
